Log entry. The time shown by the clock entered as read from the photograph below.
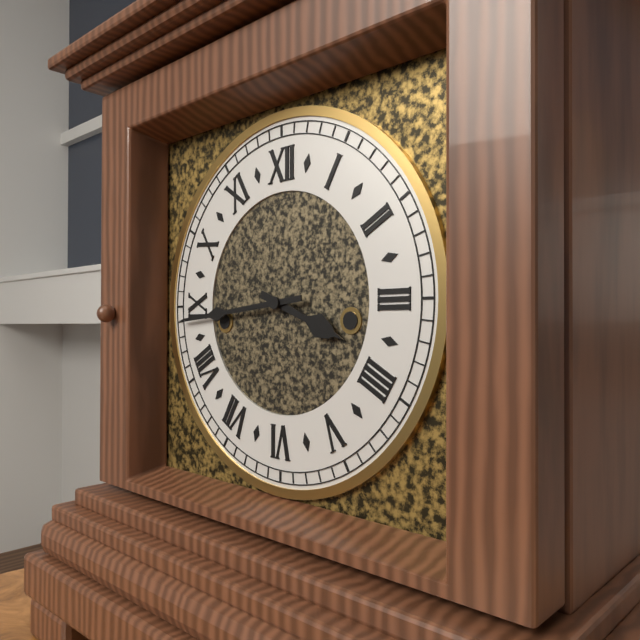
3:44
